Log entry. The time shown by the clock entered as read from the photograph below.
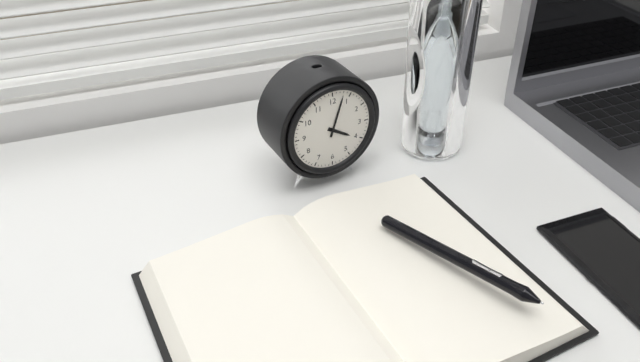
4:03
